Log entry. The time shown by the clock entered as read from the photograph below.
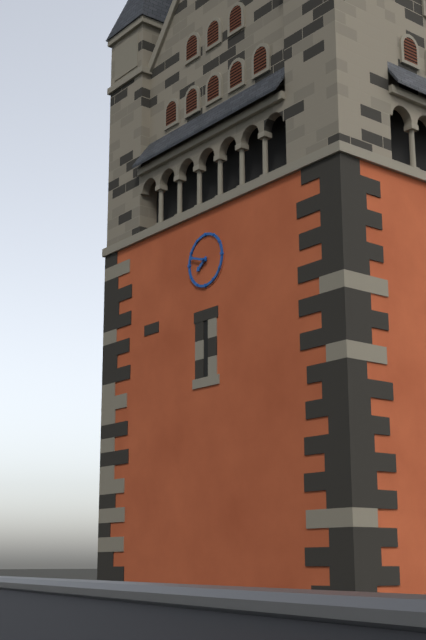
7:48
